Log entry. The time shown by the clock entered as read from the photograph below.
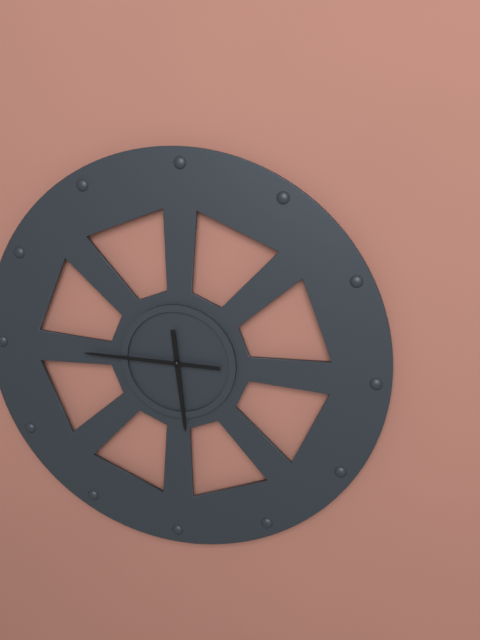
5:45
